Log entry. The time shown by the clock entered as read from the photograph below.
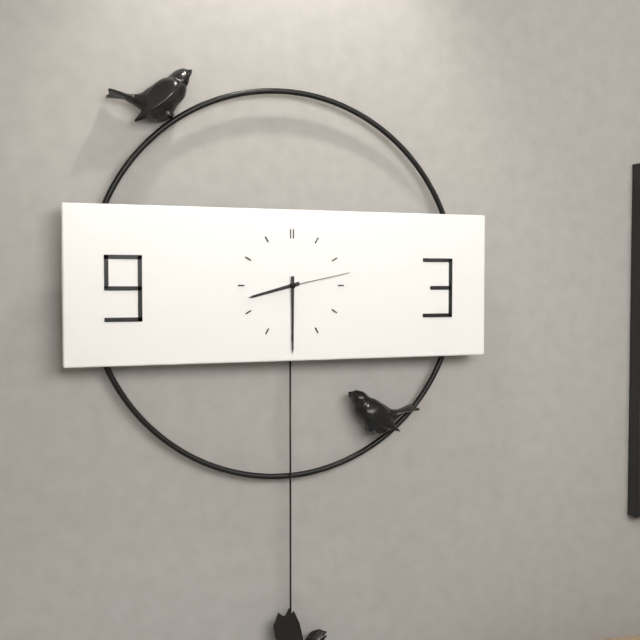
8:30:13
